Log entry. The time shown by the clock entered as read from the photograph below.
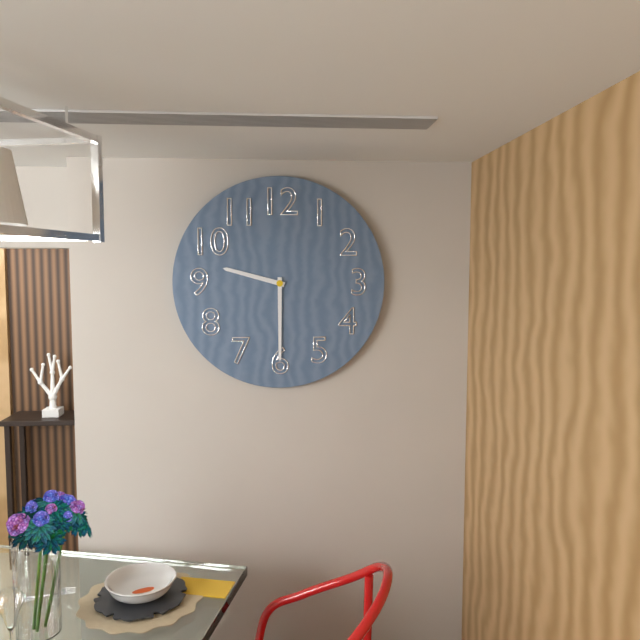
9:30
